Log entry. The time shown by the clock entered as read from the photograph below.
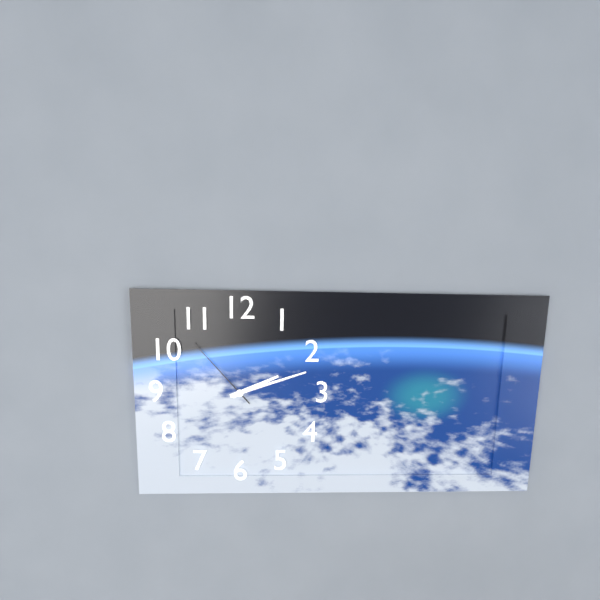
2:12:53
